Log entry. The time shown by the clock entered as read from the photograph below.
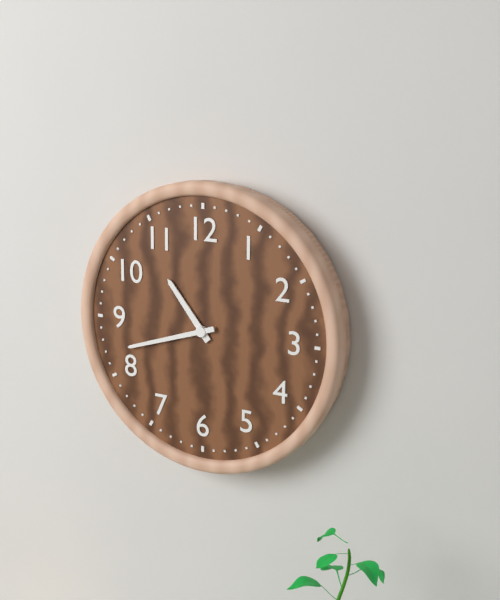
10:42
